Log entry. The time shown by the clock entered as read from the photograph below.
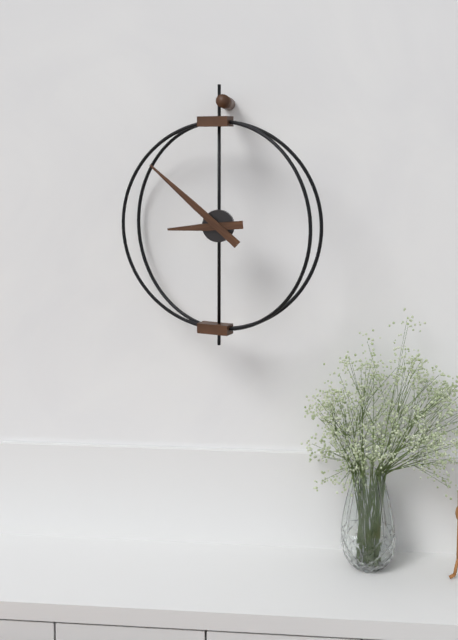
8:52
